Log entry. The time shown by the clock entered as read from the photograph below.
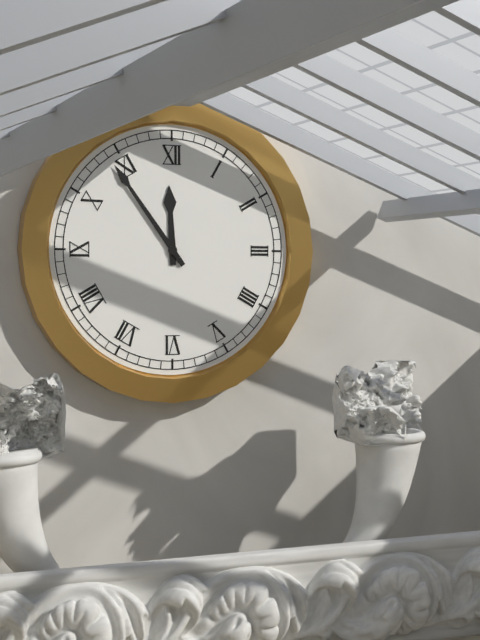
11:54
